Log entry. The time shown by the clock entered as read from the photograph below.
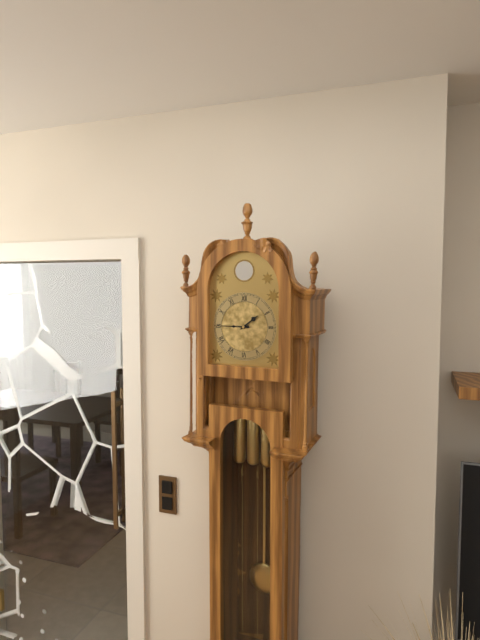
1:45
